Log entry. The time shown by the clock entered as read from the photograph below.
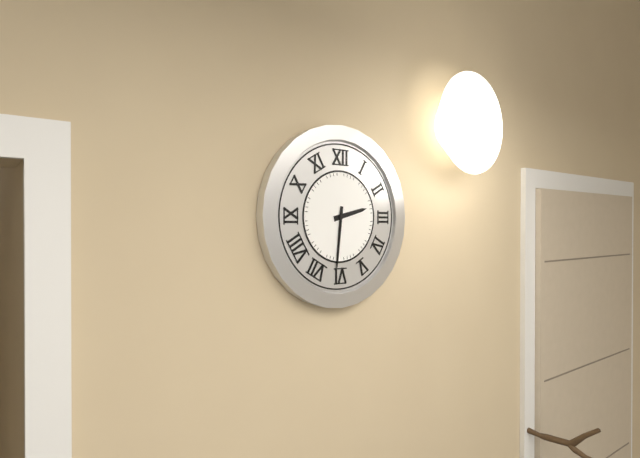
2:31
